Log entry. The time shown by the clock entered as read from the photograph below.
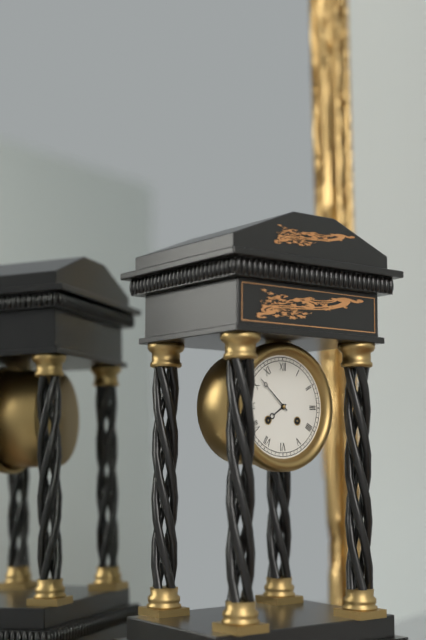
7:52
